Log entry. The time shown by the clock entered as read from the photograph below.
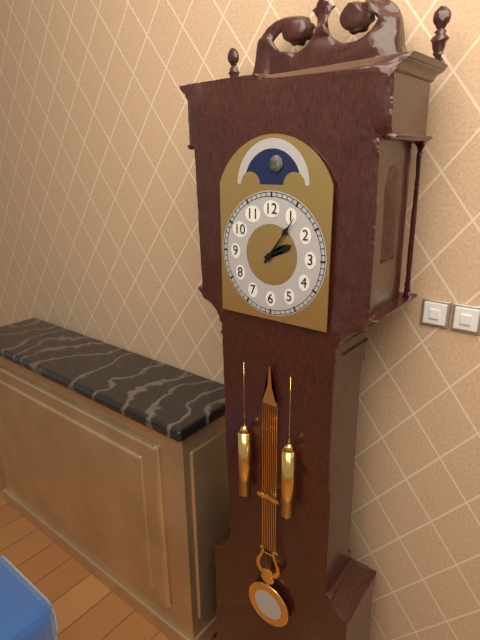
2:06
